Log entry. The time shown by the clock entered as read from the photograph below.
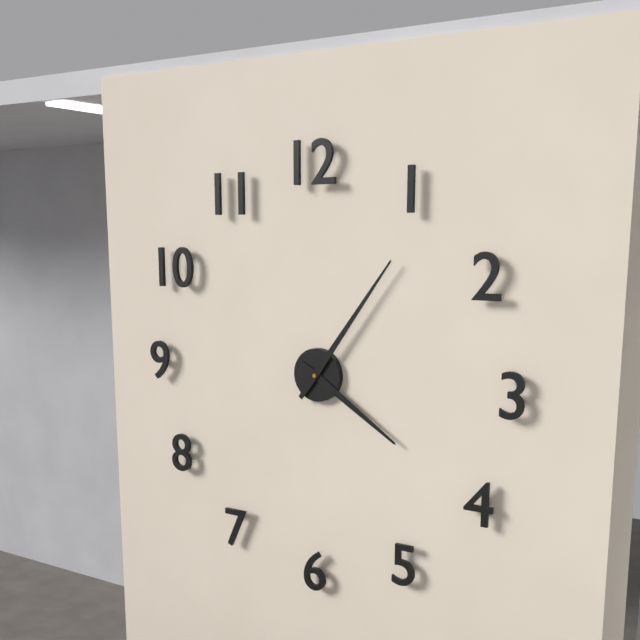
4:06
